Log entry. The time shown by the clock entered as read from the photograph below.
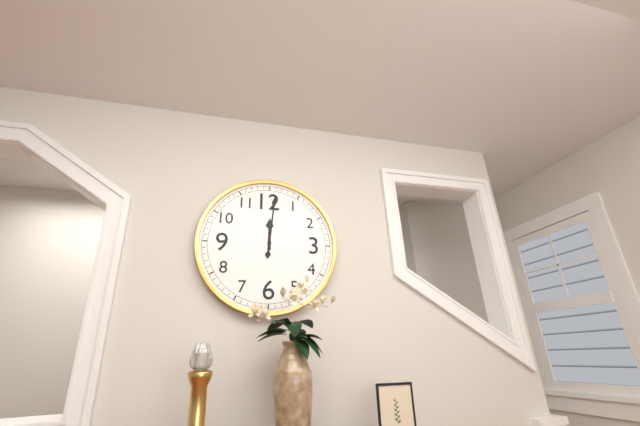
12:01
